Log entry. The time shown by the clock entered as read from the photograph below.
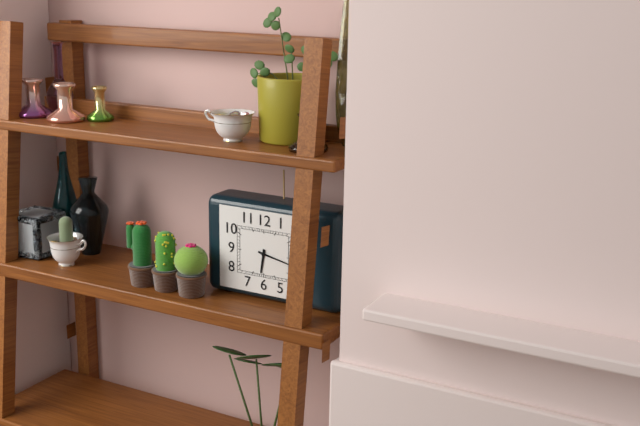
6:17
